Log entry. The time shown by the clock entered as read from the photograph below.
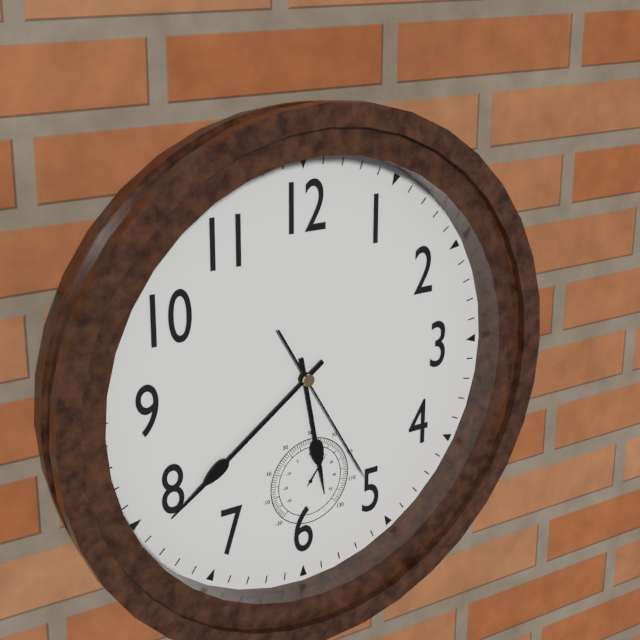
5:39:25
